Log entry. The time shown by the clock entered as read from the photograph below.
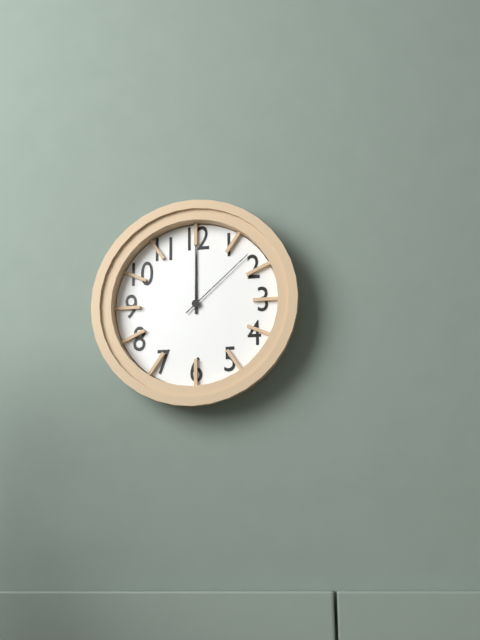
12:00:08
